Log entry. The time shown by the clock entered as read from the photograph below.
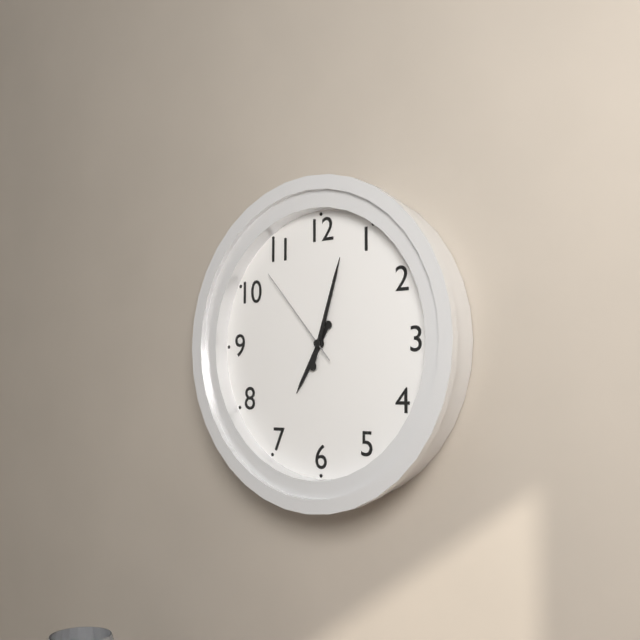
7:03:53
